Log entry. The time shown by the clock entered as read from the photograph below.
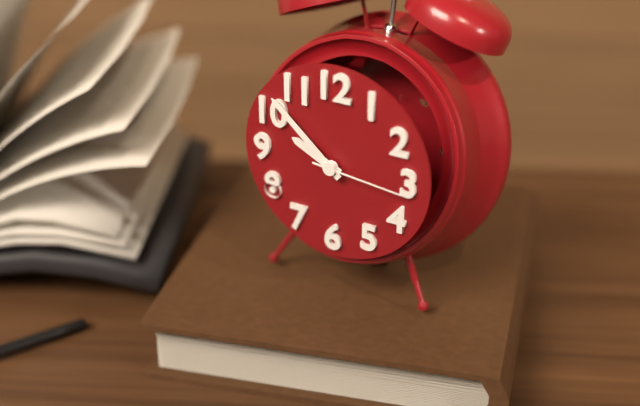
9:52:16
